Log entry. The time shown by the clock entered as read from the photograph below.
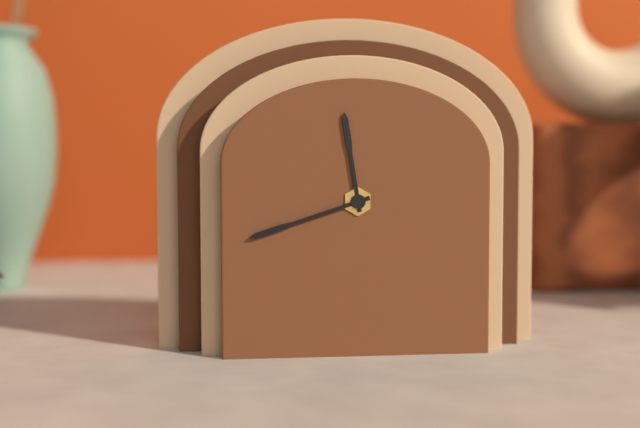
11:42
